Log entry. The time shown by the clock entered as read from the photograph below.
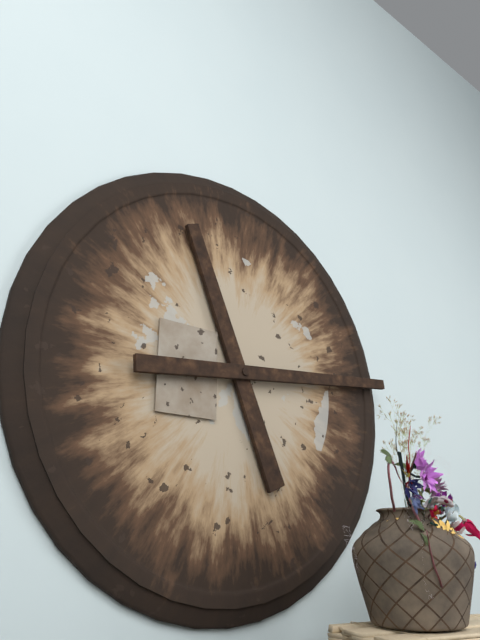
11:14
